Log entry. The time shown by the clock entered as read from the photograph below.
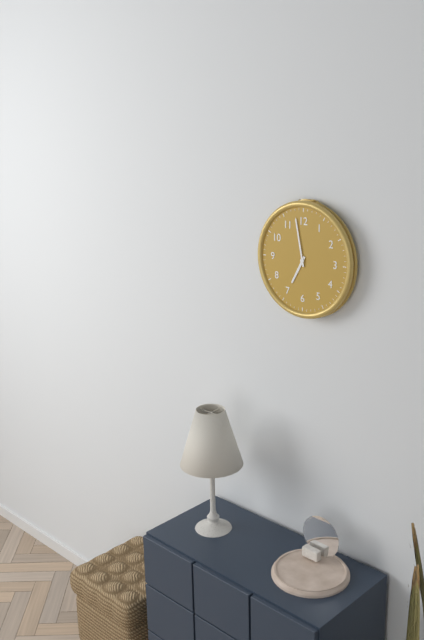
6:58
